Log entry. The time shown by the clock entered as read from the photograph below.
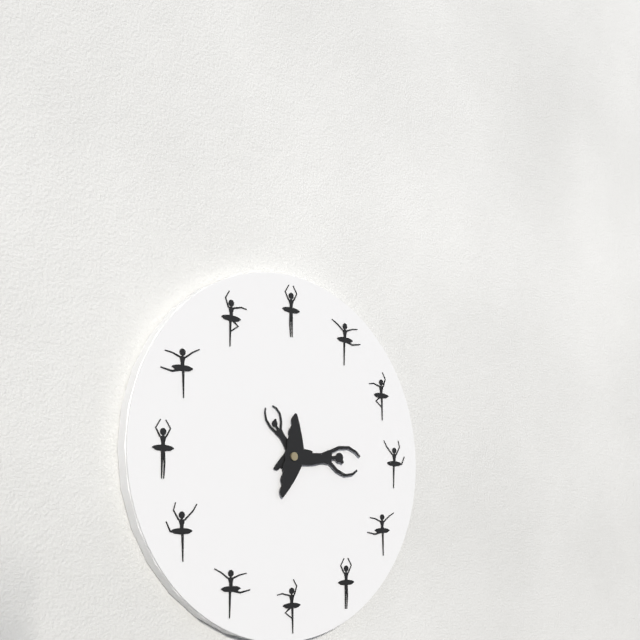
11:17
